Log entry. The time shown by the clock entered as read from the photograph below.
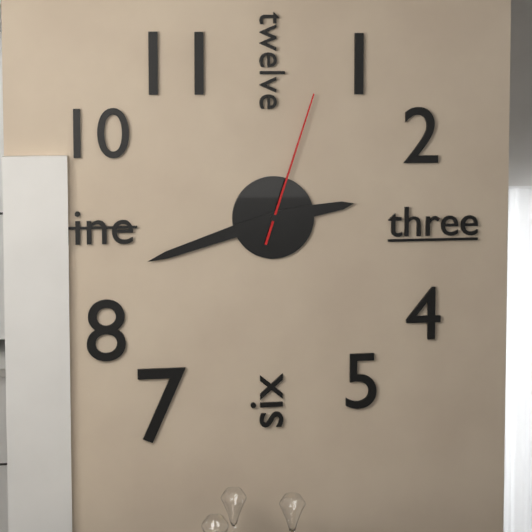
2:42:03
